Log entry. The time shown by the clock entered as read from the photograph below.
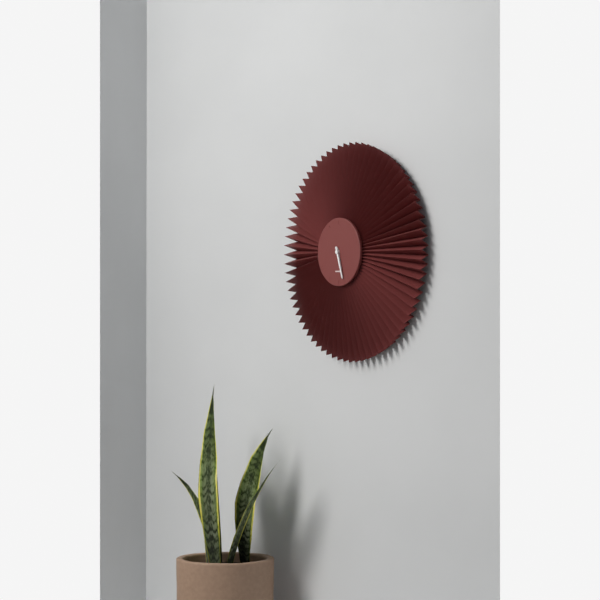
5:27
